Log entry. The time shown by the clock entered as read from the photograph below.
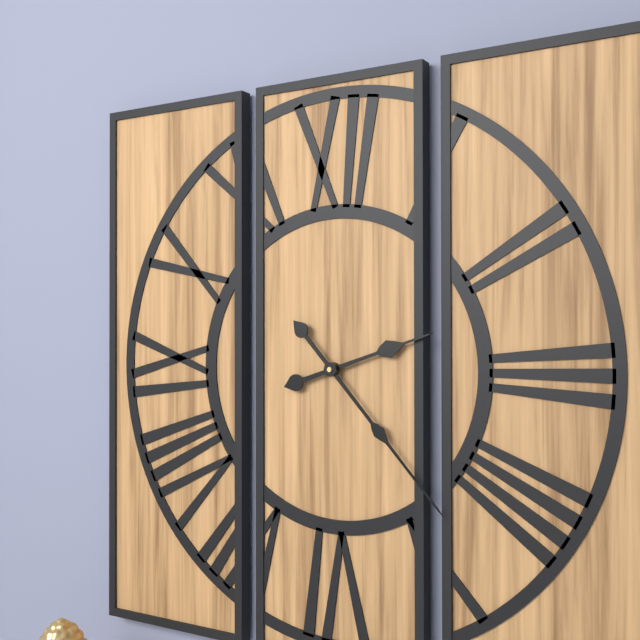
2:23
